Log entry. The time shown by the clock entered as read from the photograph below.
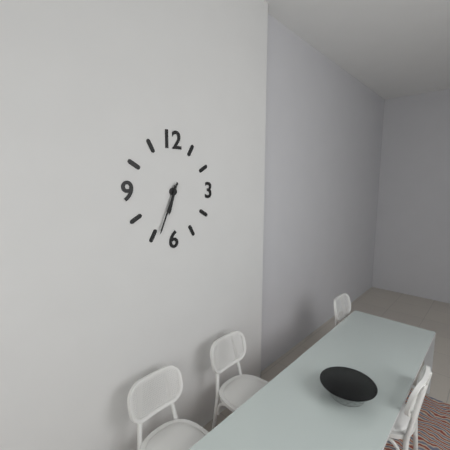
6:34
